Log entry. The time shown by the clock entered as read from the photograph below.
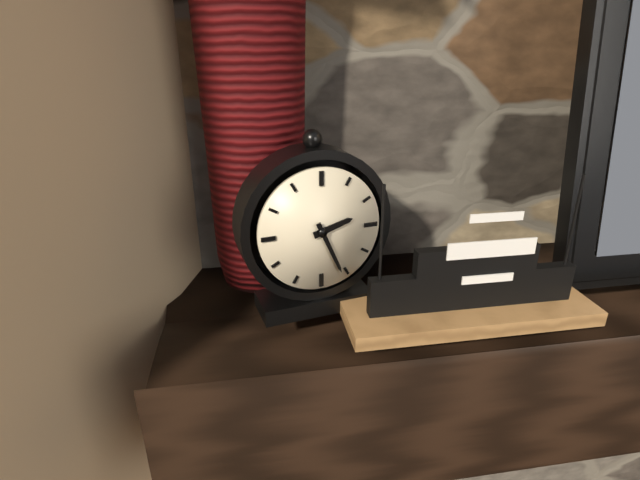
2:26
